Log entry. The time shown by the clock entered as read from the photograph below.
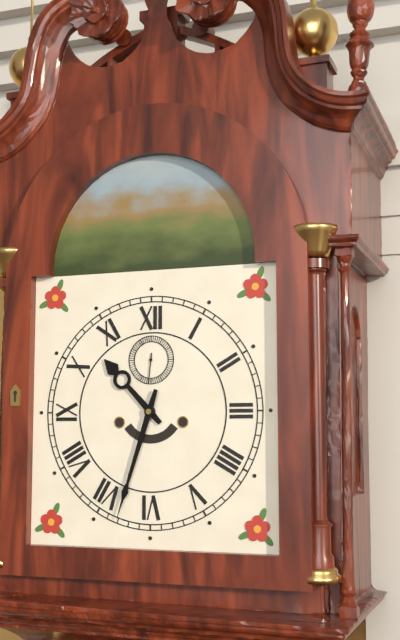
10:33
